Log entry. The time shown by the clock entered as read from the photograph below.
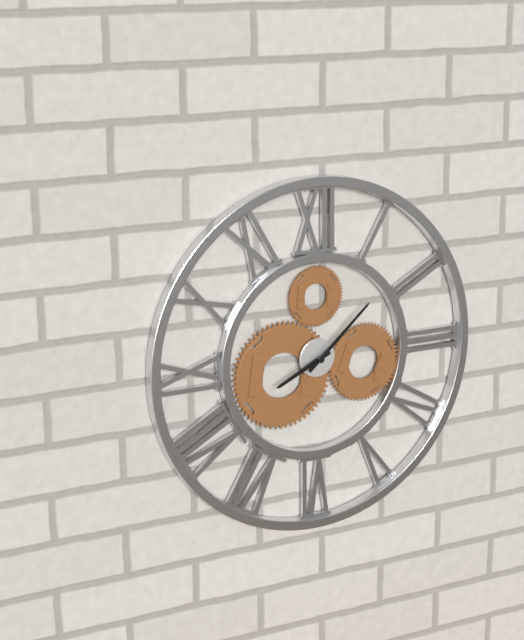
8:08
